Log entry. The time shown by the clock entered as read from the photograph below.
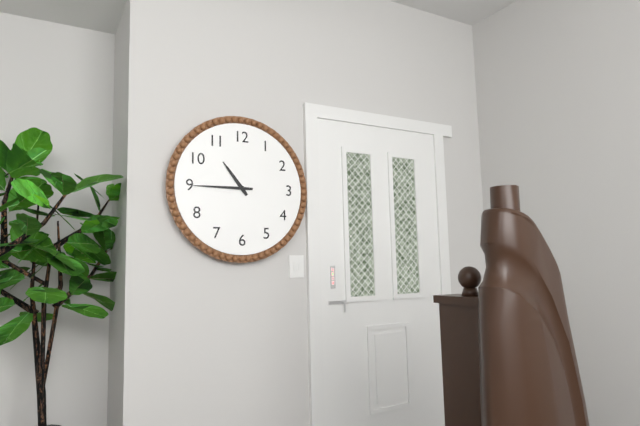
10:45
